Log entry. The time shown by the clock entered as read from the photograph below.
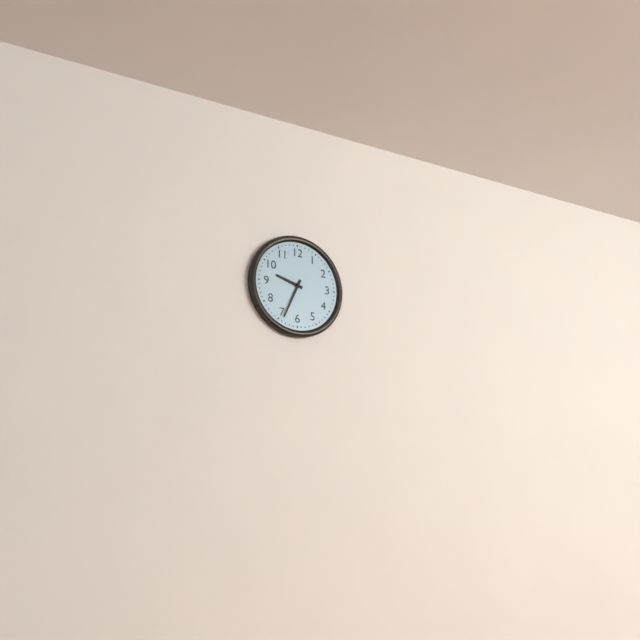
9:34
